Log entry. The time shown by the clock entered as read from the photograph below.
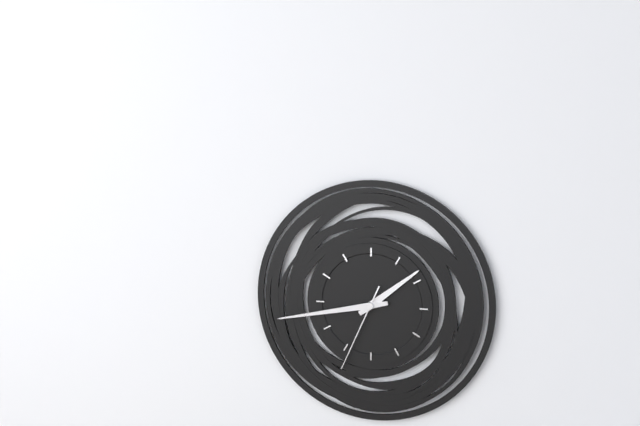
1:43:34
